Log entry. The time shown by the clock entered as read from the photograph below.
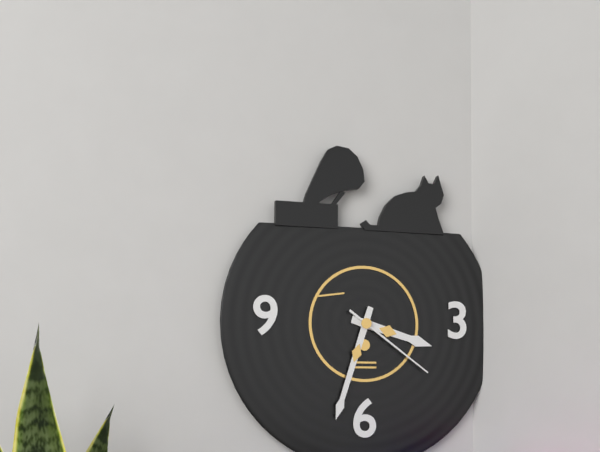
3:33:21
